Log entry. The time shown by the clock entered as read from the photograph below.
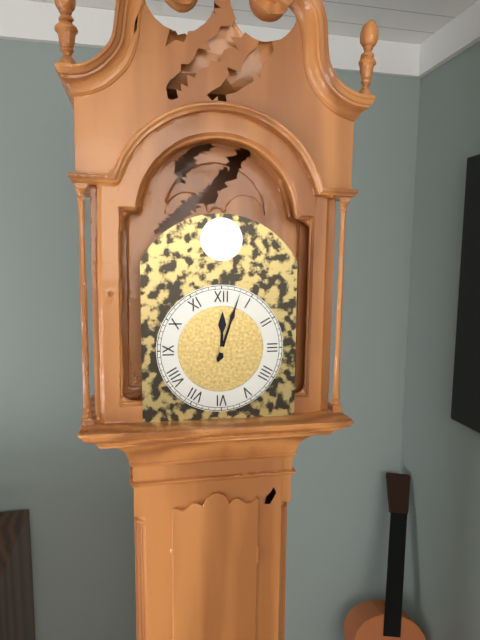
12:03
